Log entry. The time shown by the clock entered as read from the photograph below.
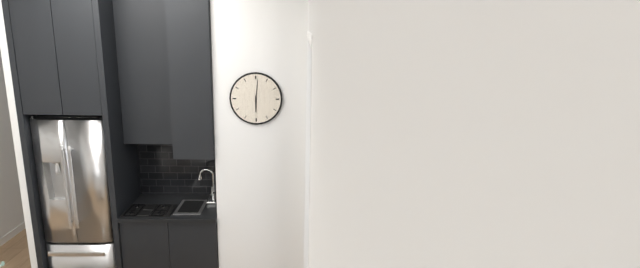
6:01
